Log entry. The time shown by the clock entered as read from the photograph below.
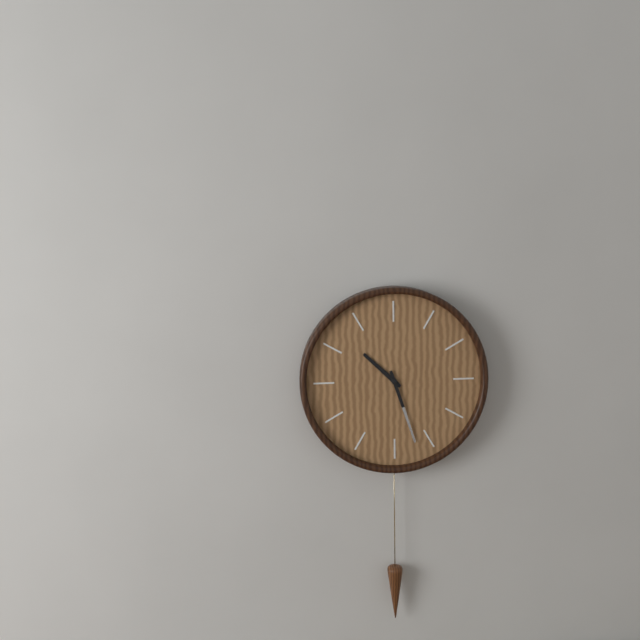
10:27
